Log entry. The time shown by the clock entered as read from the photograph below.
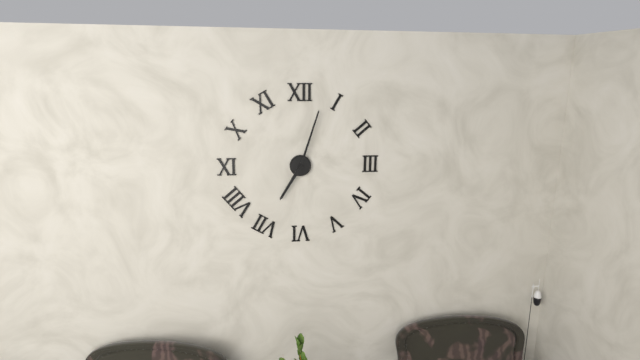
7:03
